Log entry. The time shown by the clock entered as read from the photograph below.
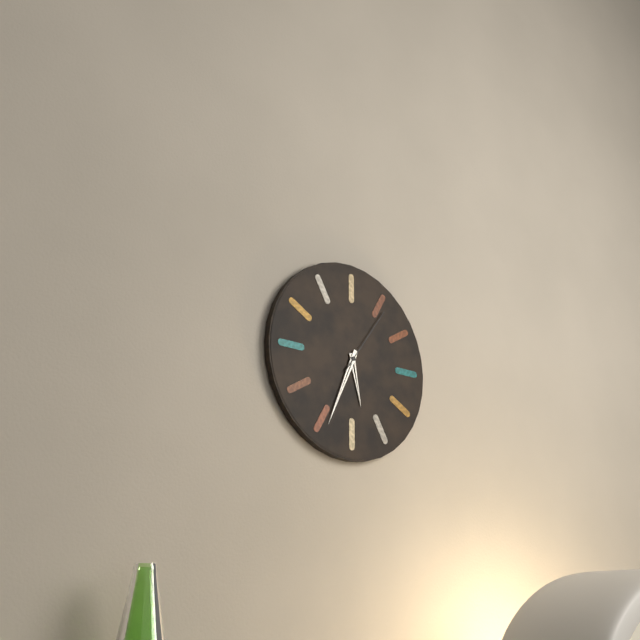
5:34:06
